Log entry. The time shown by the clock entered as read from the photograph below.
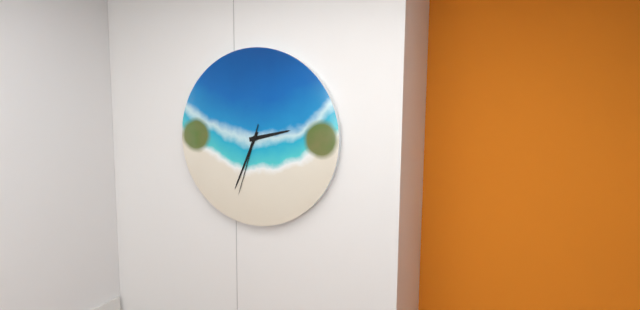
2:34:33
